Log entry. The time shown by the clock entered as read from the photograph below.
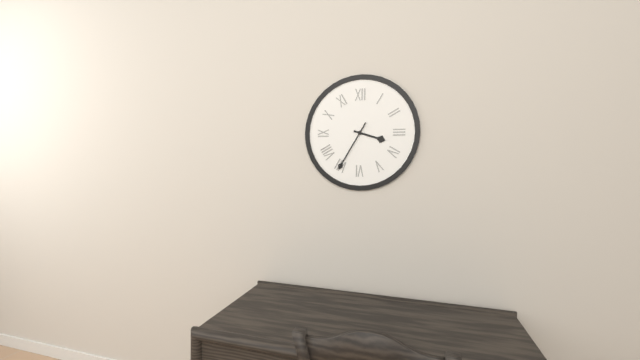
3:35
